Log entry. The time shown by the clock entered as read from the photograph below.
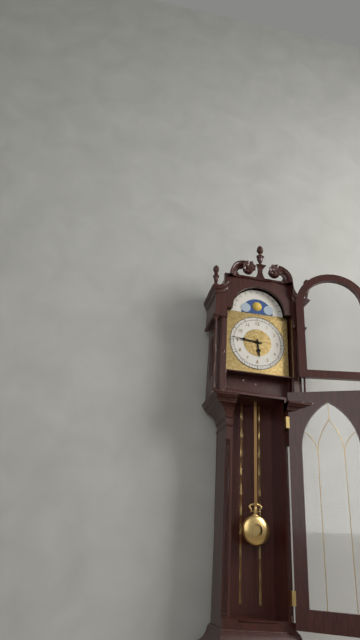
5:46
